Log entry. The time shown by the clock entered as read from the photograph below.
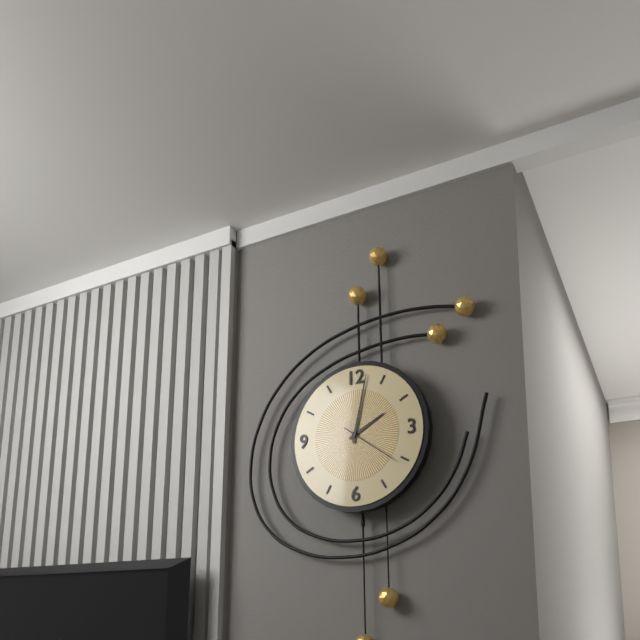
2:02:21
